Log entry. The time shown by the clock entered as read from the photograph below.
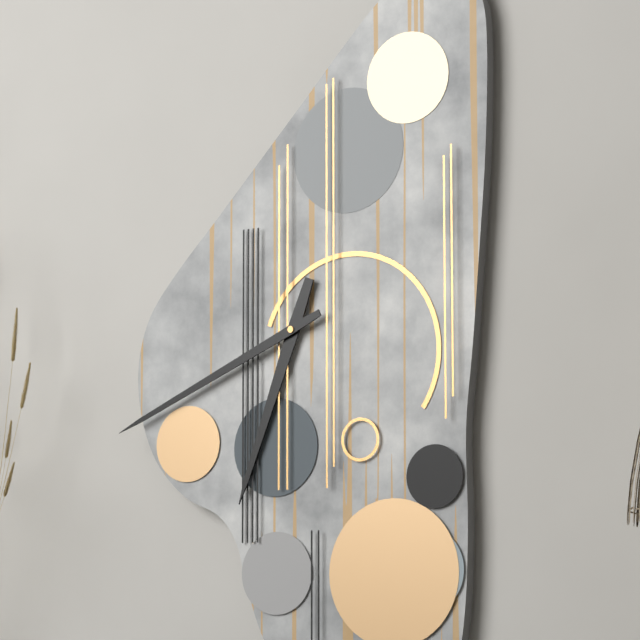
6:41
